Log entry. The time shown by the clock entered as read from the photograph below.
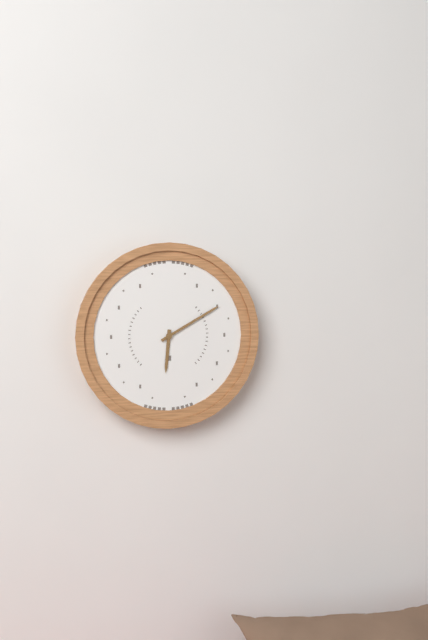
6:10
